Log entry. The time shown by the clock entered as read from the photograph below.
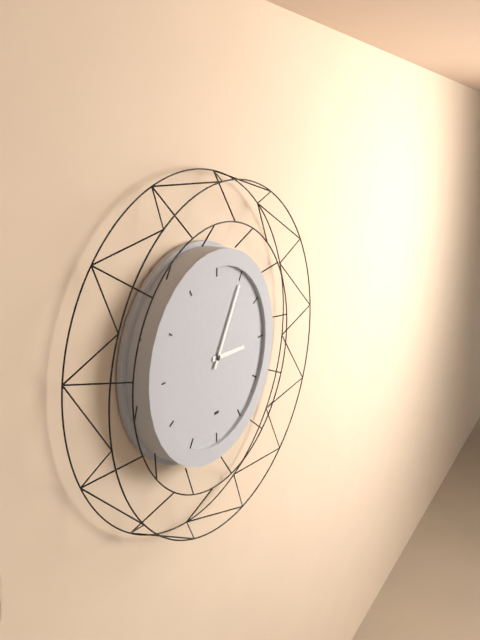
3:05
